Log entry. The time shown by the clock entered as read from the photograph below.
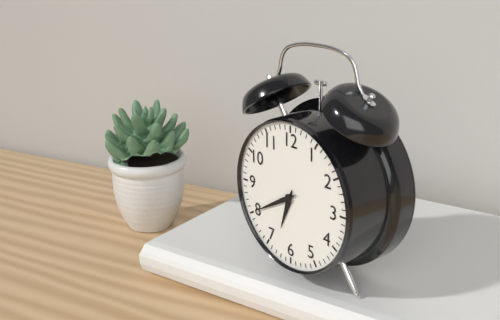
6:40
